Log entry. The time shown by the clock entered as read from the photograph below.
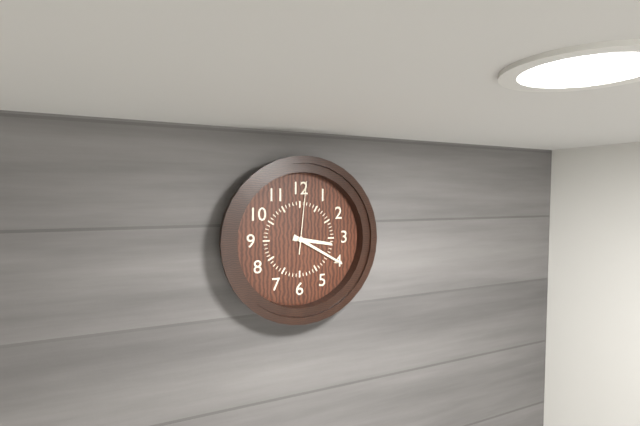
3:20:01
